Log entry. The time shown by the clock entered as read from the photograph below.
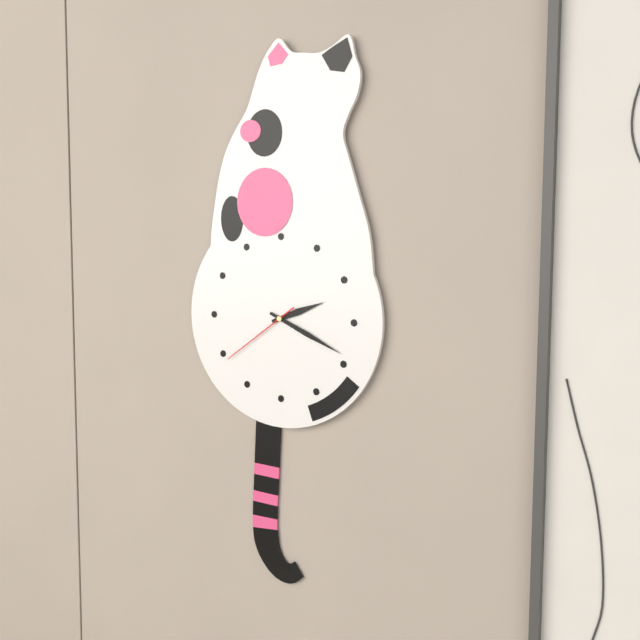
2:19:39
